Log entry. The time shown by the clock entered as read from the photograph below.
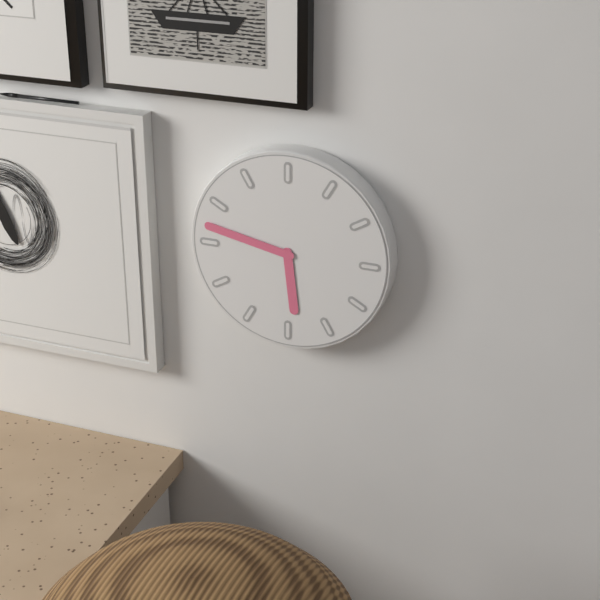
5:47
